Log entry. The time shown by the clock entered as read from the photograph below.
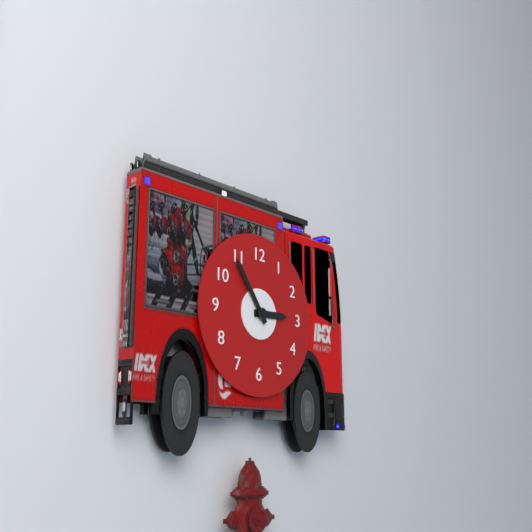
2:54
